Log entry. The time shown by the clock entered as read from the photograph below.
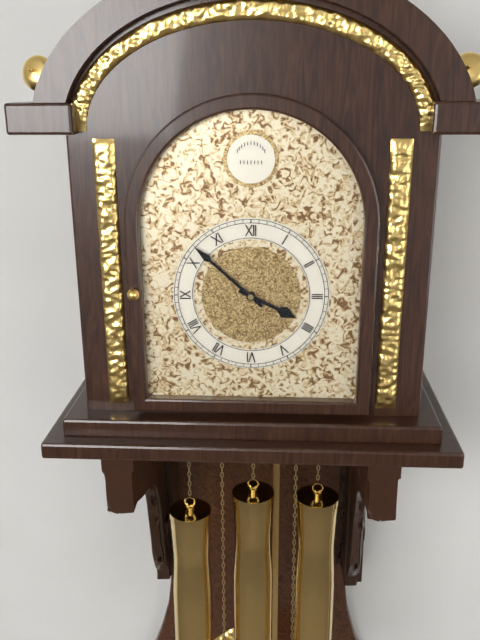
3:52
